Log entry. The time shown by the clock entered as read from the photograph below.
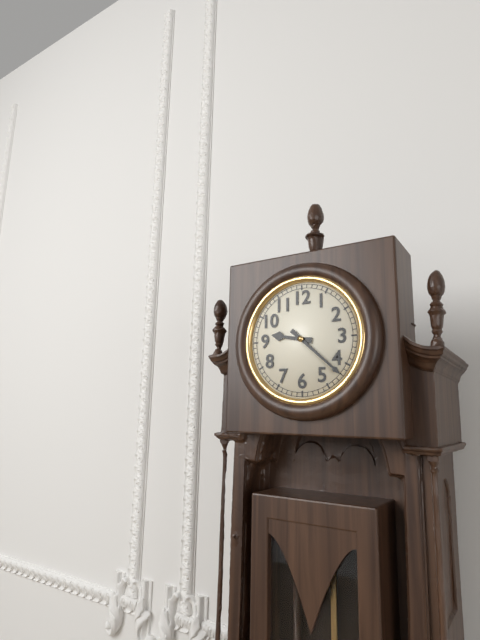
9:22
